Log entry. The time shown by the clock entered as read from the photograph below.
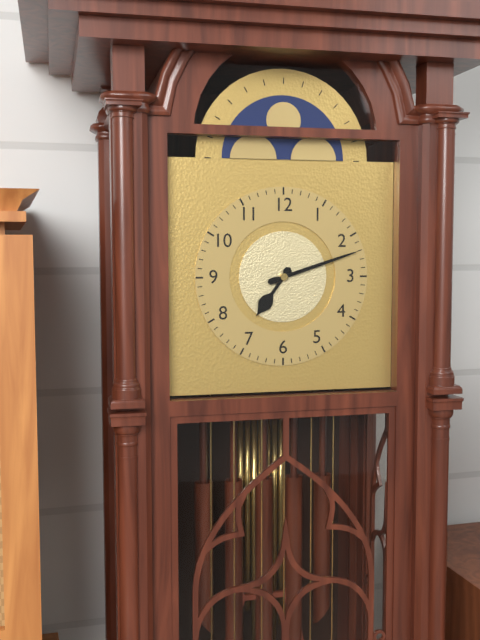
7:12
